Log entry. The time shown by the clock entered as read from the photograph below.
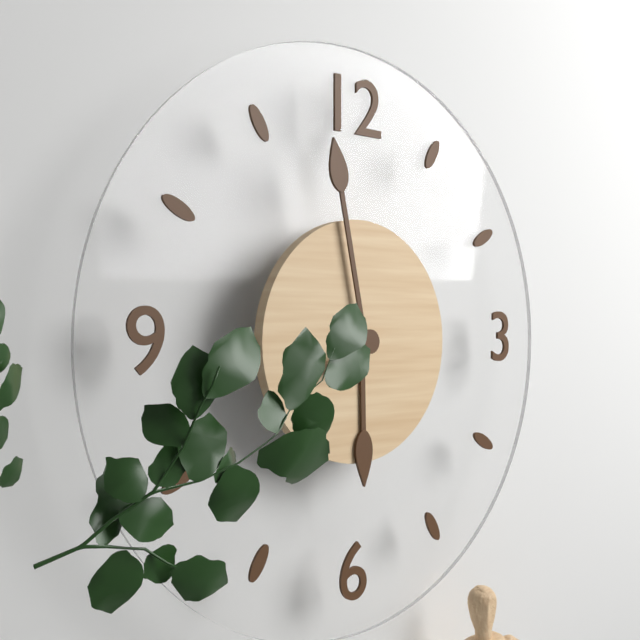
5:58
